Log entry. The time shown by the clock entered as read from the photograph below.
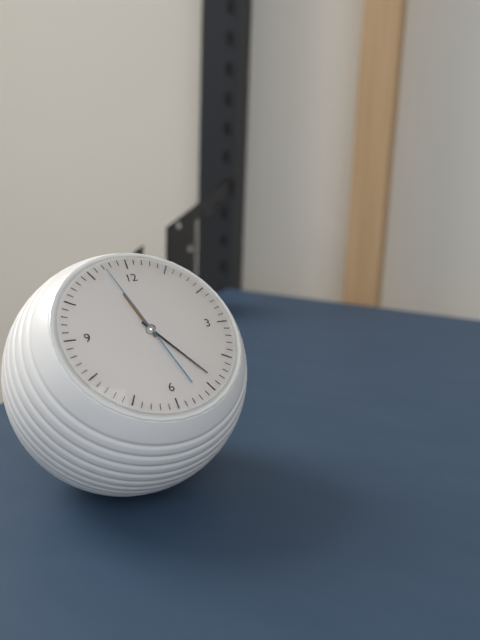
11:24:57
